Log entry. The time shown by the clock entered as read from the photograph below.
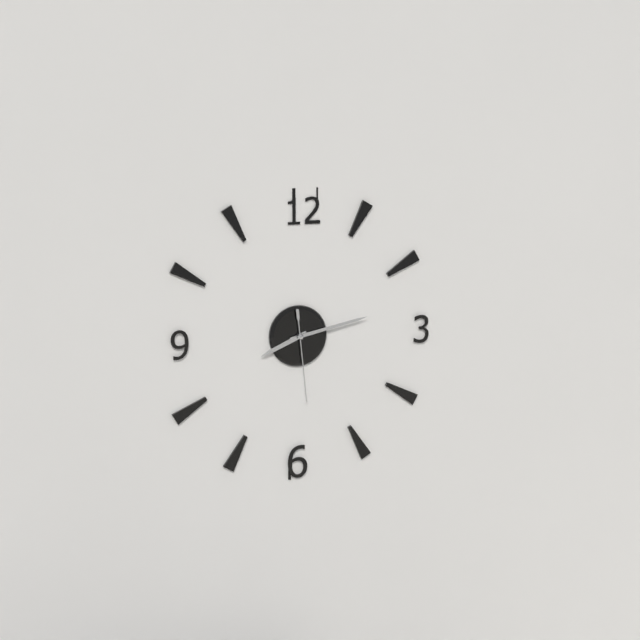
8:13:29
